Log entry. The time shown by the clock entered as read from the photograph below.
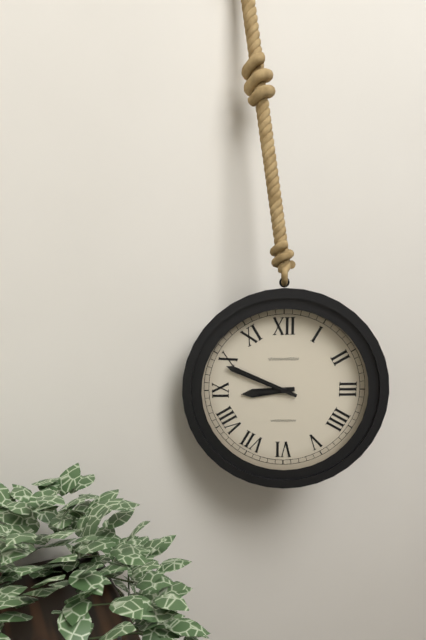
8:49
